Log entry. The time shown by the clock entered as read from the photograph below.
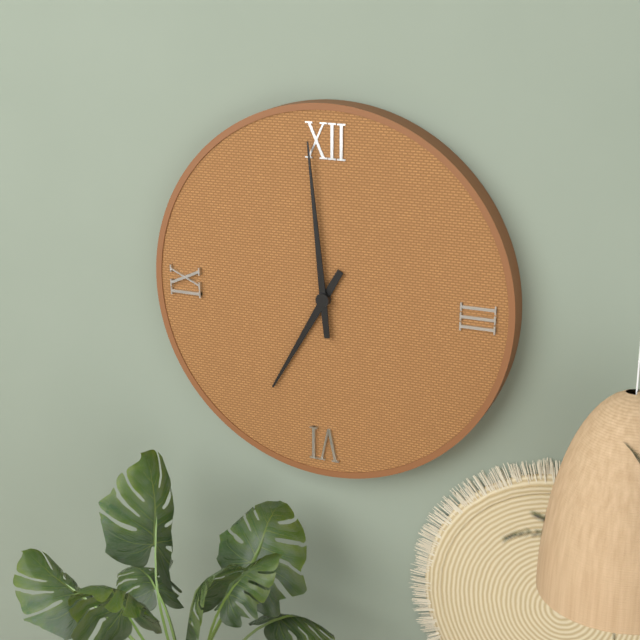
6:59
